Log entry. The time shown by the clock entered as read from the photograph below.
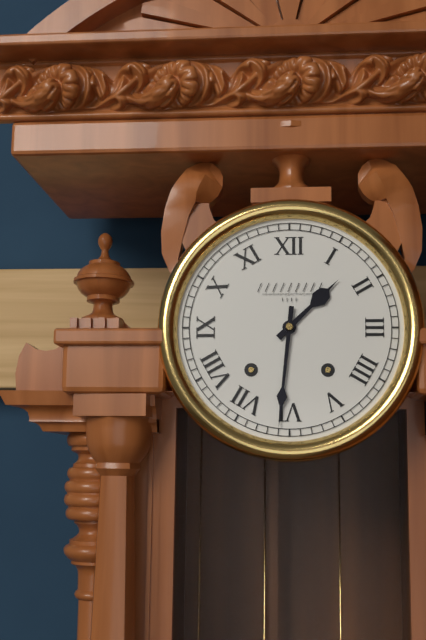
1:31
